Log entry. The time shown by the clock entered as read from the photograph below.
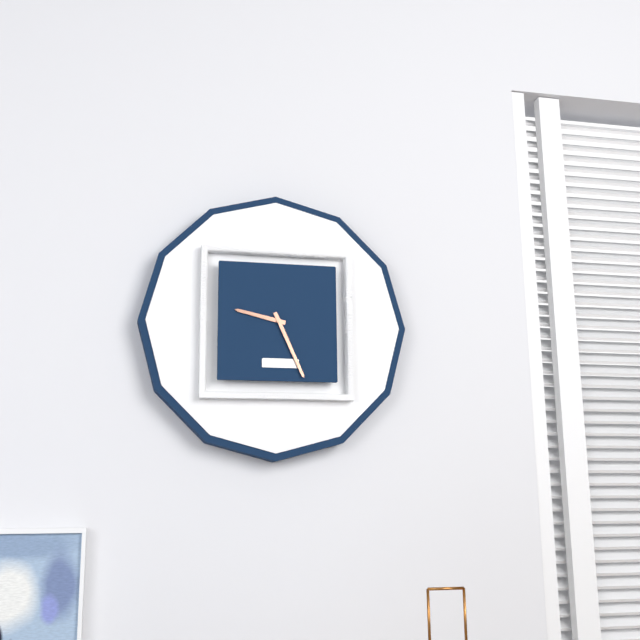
9:26
